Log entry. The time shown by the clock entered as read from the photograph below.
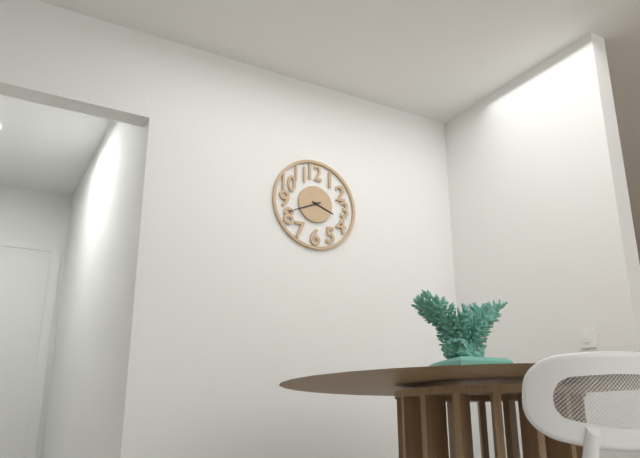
3:41
